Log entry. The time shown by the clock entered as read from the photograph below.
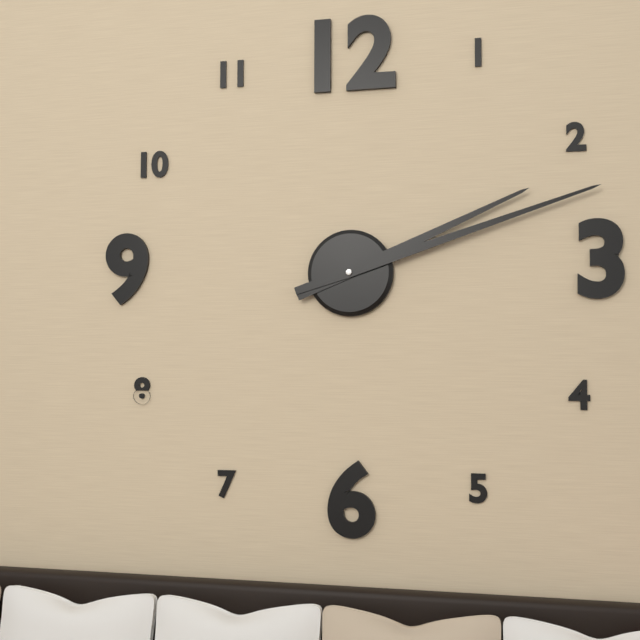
2:12
